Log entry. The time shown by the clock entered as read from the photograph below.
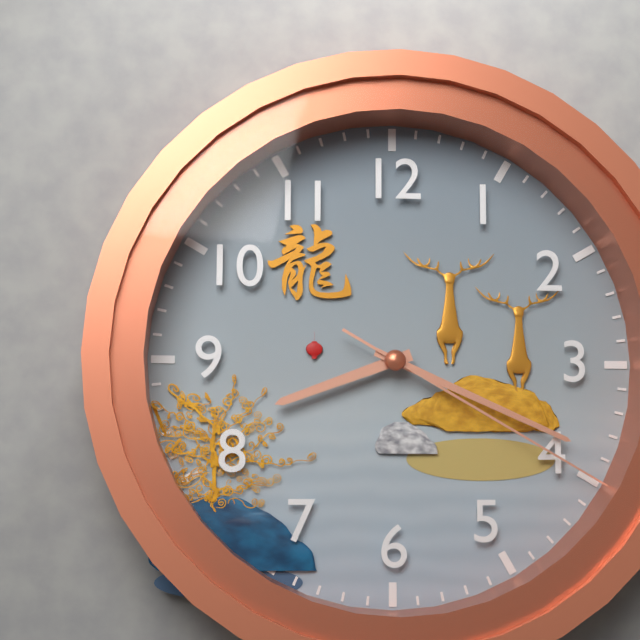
8:19:20
